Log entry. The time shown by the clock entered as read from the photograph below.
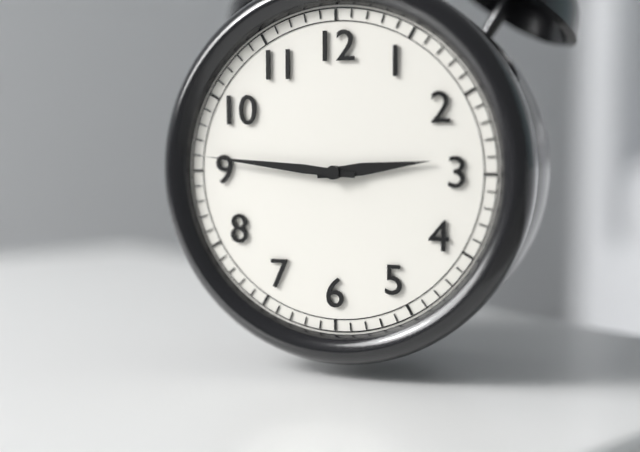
2:46
